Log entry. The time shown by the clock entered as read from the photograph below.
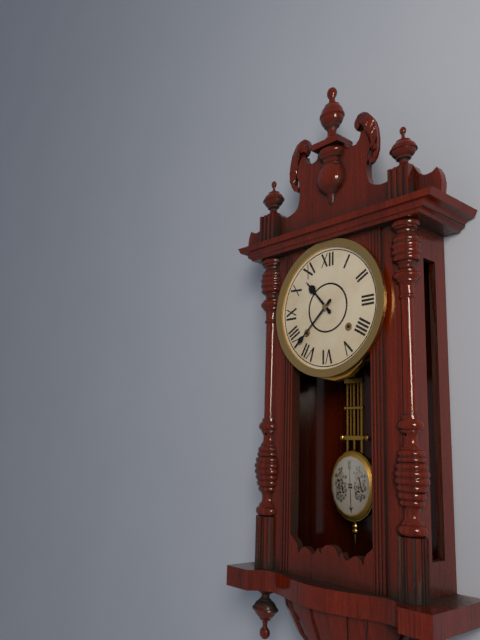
10:38
